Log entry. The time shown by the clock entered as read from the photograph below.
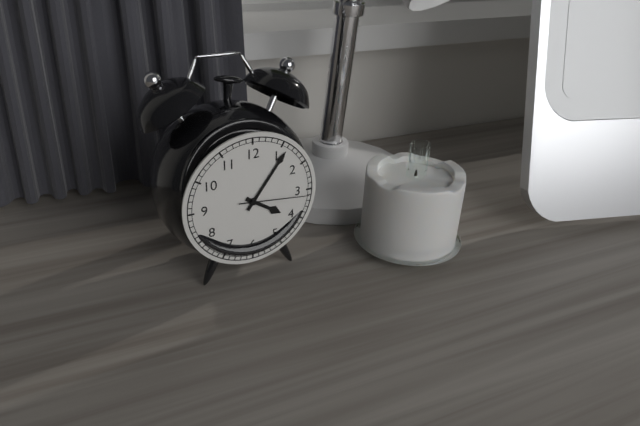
4:06:16
